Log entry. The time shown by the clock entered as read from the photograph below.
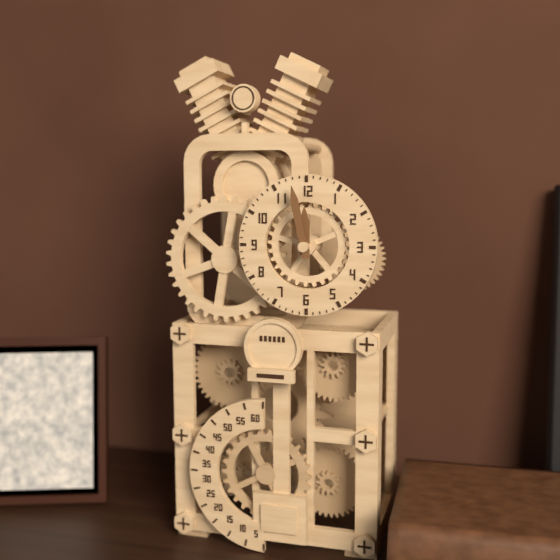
11:58
